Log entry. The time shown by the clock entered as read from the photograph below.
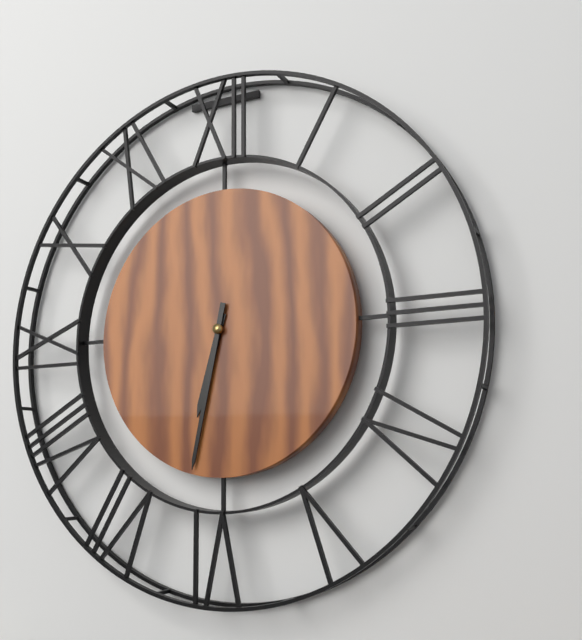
6:32
